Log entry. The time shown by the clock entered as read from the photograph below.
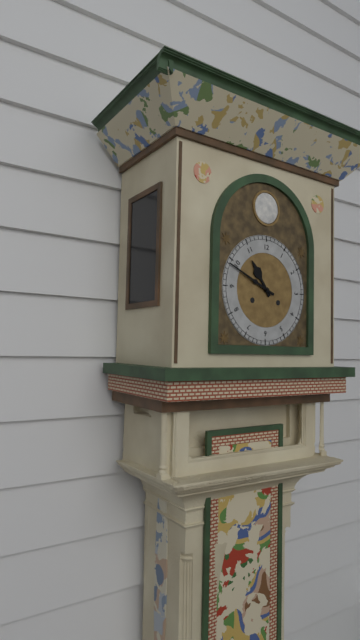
10:49
